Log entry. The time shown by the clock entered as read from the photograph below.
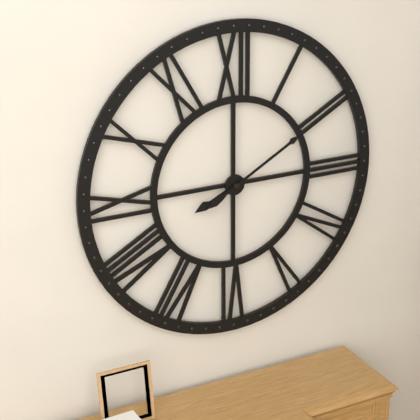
8:10
